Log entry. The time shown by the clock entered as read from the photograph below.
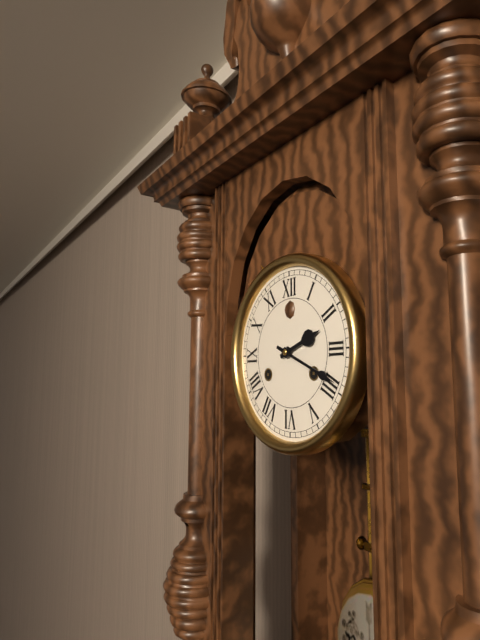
2:19
